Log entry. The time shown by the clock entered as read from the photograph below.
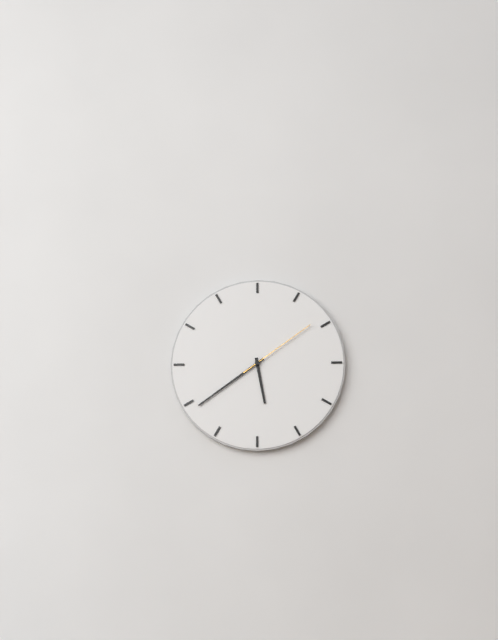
5:39:09
